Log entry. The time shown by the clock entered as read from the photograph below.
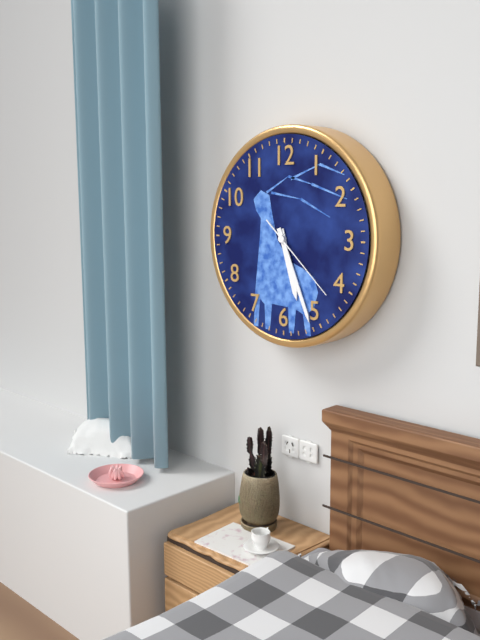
5:26:22
